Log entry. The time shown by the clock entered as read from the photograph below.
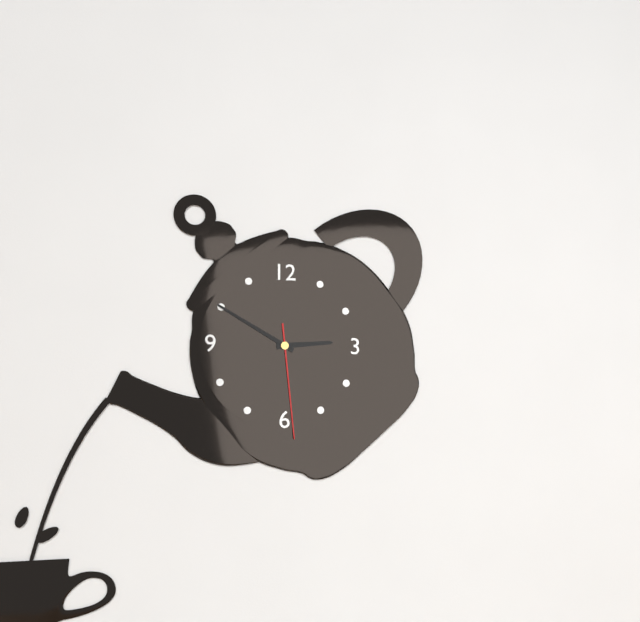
2:50:29
